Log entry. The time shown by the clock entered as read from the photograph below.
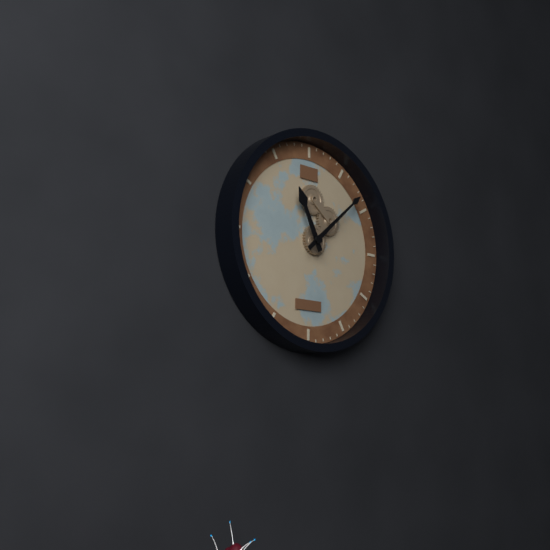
11:08
